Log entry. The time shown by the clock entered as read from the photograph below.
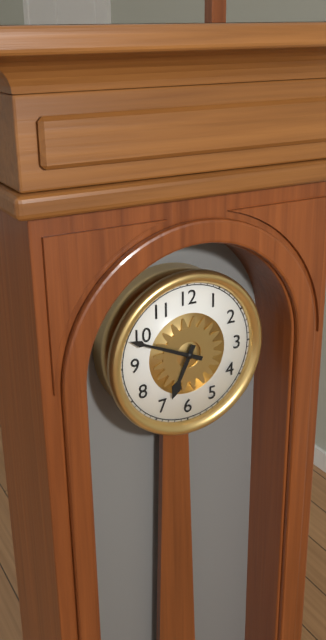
6:49
